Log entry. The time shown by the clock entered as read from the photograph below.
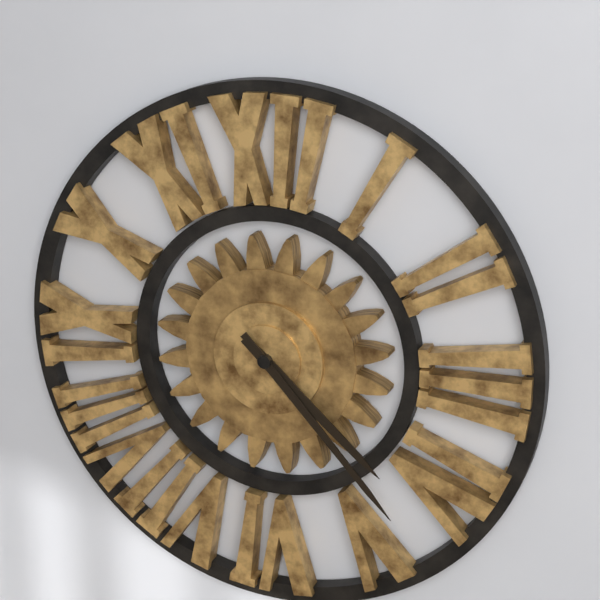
4:23
